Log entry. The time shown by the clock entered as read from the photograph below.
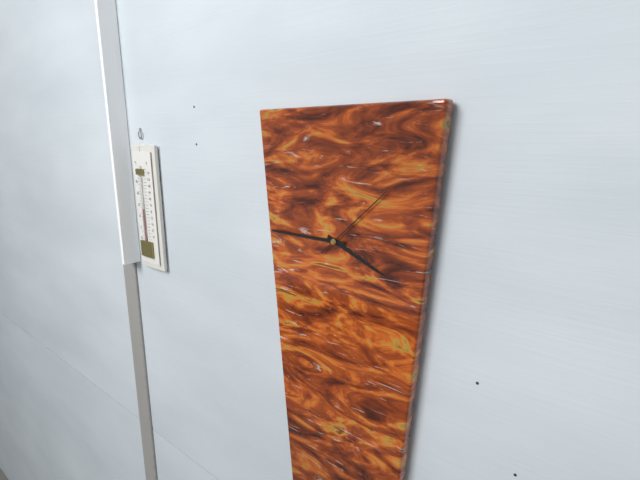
3:45:08
